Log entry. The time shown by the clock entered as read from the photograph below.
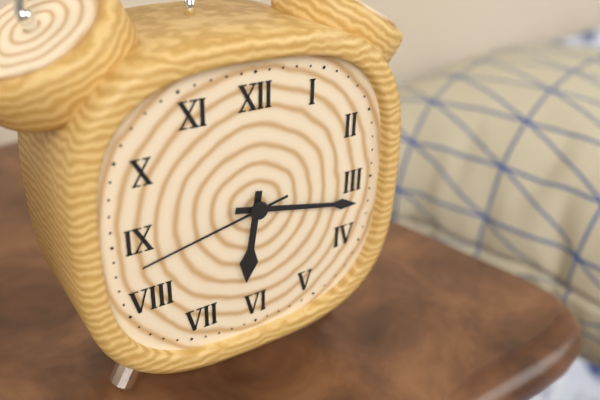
6:17:43
